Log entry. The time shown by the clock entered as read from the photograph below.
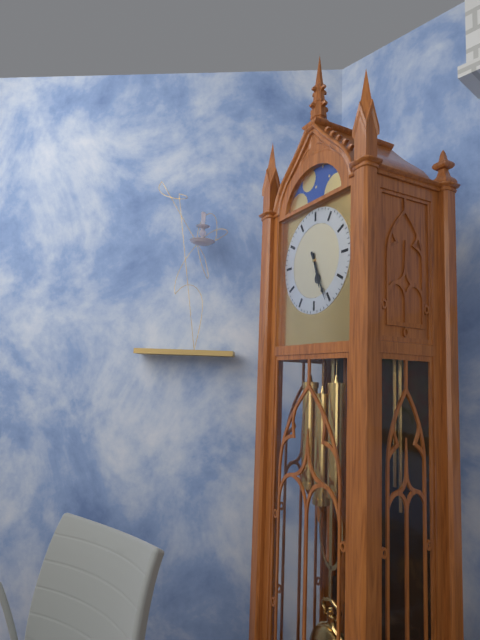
5:26
